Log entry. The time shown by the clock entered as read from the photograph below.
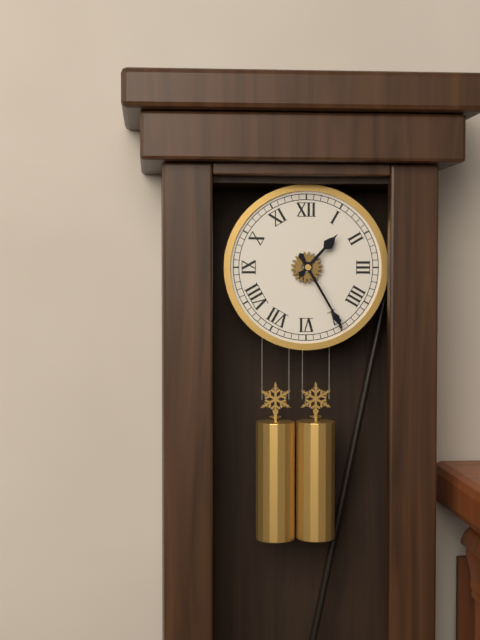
1:25
